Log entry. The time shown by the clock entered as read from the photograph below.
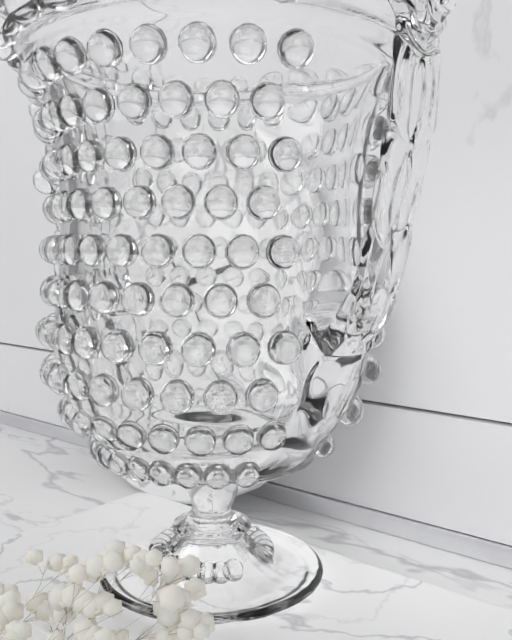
2:11:24
